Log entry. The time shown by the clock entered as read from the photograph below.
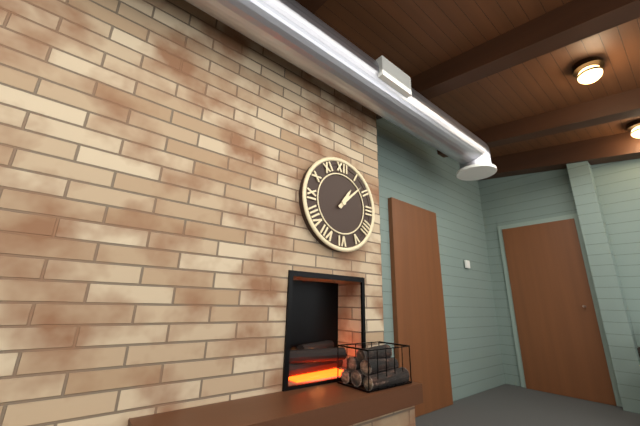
1:08
